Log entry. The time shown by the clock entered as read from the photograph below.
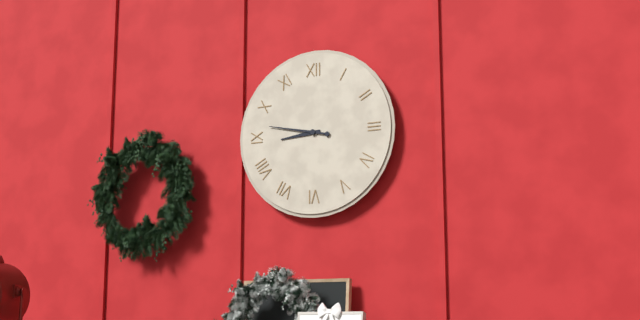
8:47
